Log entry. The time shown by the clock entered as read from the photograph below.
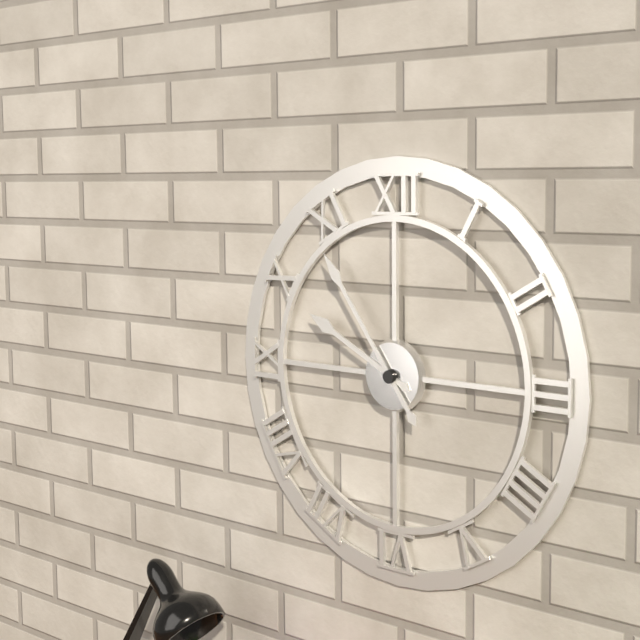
9:54
